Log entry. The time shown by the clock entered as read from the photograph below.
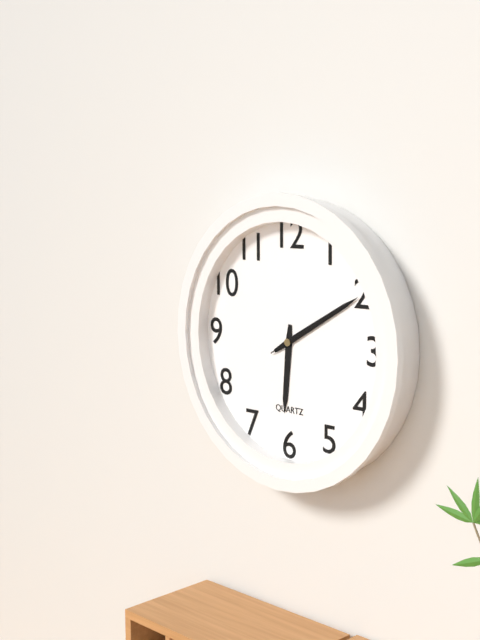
6:10:10
